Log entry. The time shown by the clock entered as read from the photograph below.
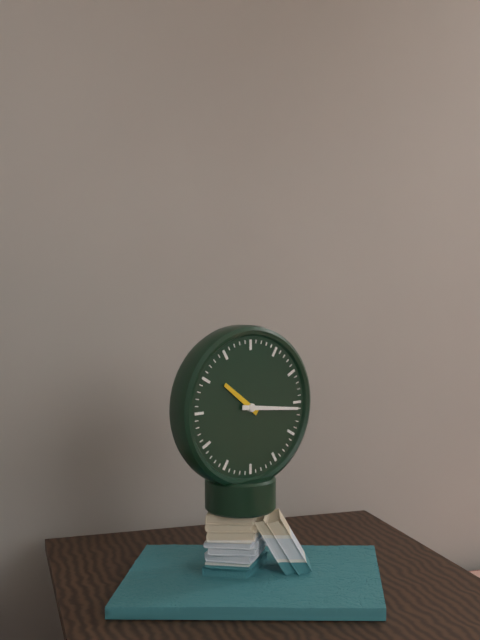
10:16
